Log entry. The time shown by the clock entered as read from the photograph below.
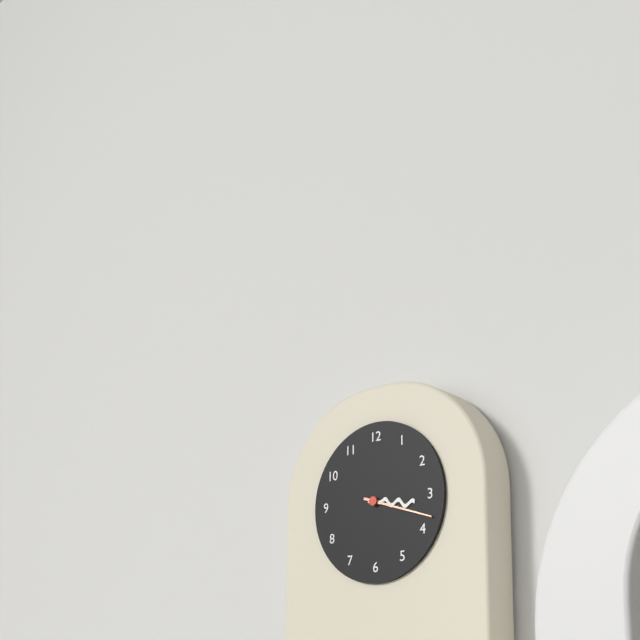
3:18
